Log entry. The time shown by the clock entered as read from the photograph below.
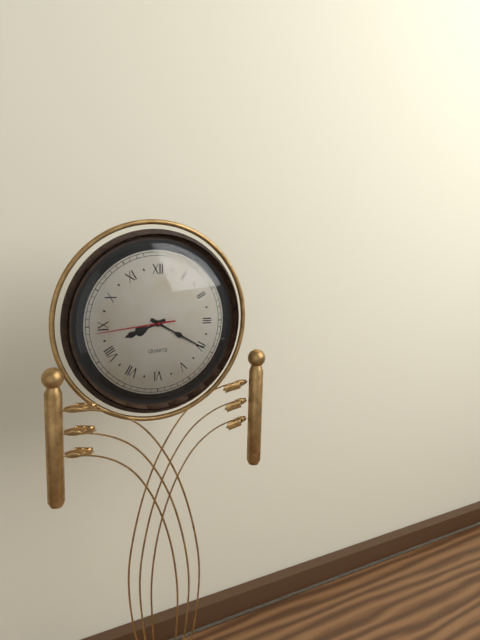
8:20:44
